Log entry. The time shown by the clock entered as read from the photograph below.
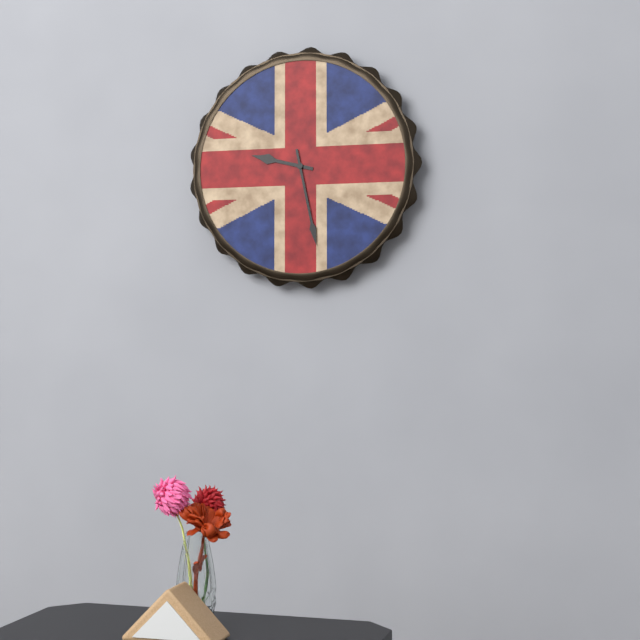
9:28
